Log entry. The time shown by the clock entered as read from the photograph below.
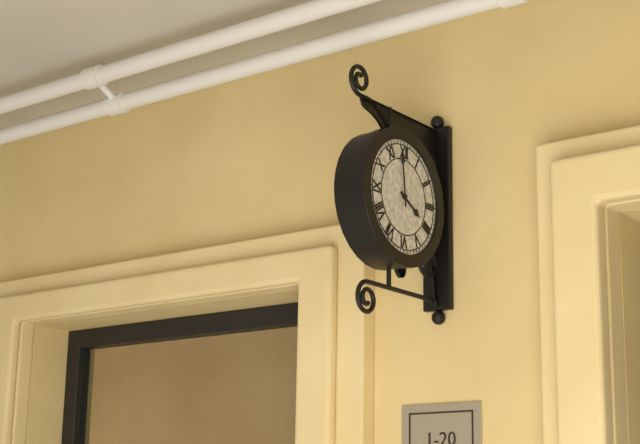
3:59
